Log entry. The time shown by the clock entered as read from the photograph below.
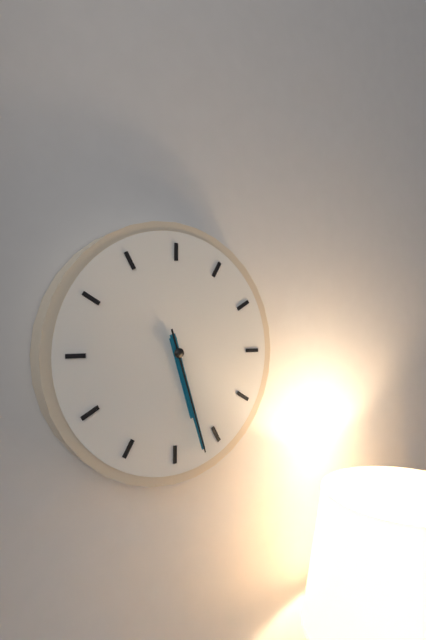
5:27:27
